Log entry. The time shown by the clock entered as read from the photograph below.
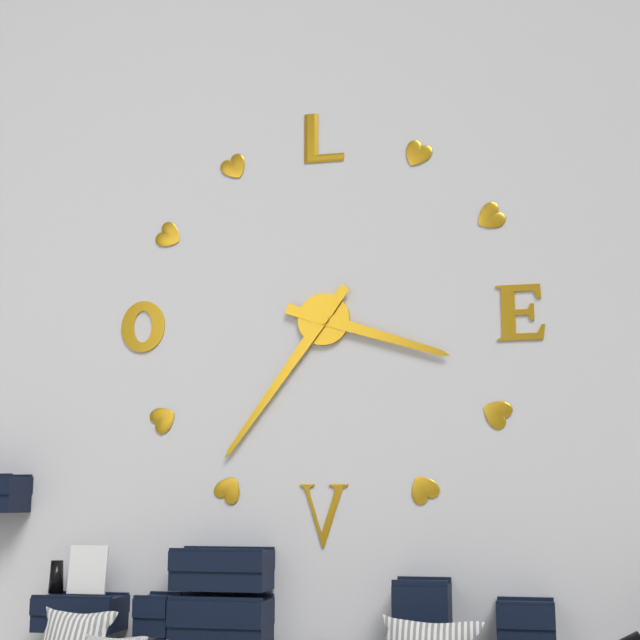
3:36
